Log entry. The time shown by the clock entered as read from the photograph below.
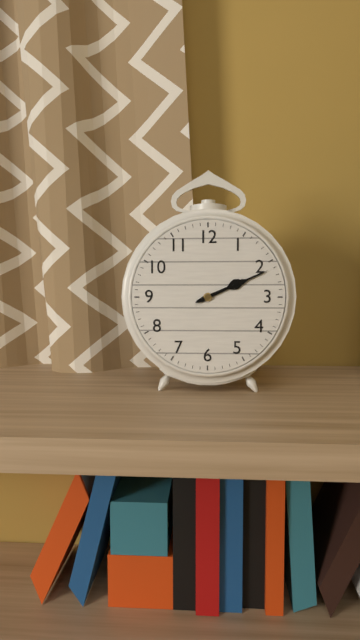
2:11
